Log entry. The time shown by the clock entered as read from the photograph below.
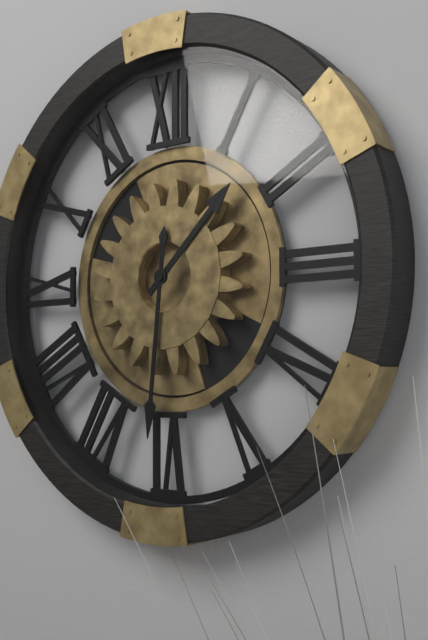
1:31
